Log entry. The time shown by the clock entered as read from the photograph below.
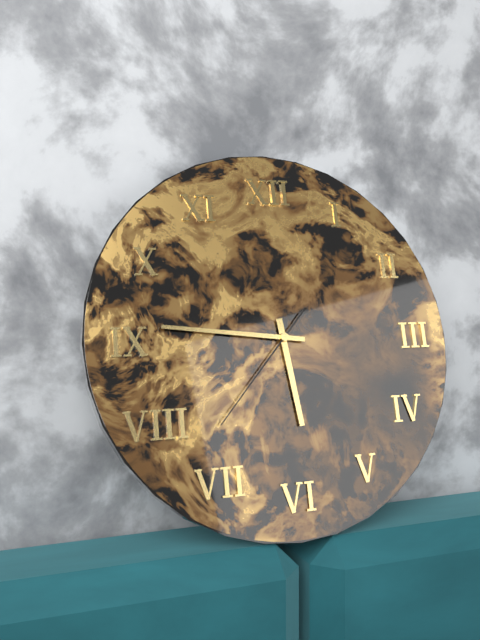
5:46:37
